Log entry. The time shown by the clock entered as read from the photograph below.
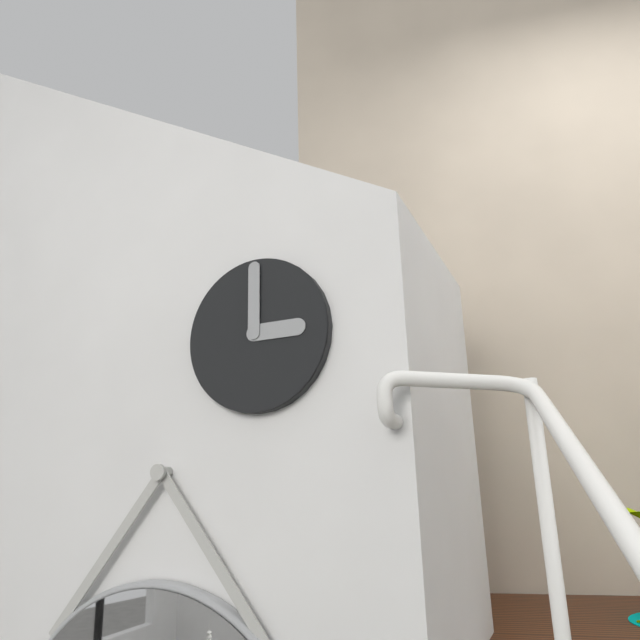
3:00
